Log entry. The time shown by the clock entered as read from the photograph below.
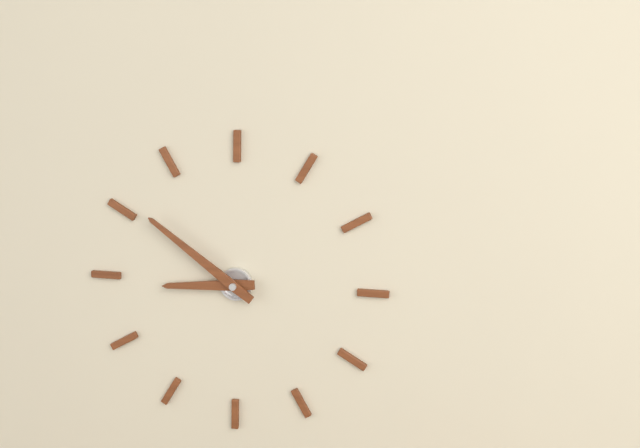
8:51
